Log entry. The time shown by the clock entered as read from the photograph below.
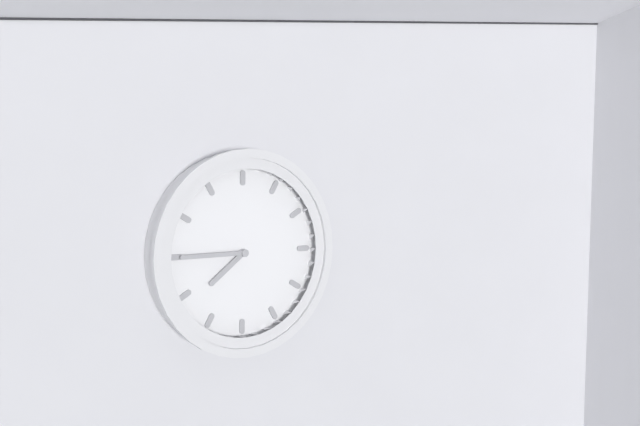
7:45
